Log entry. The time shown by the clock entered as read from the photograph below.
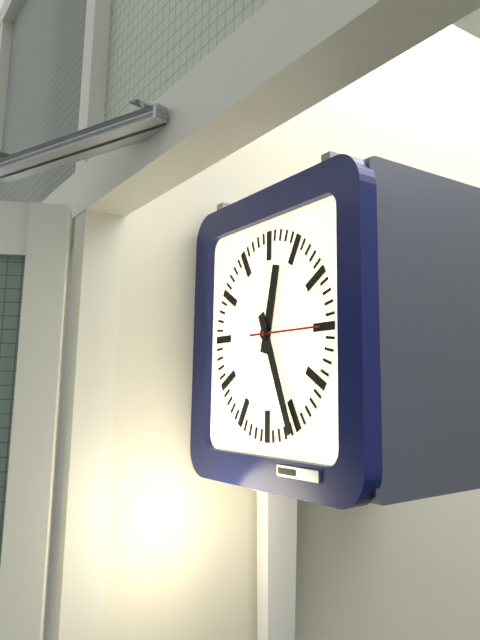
12:26:15
